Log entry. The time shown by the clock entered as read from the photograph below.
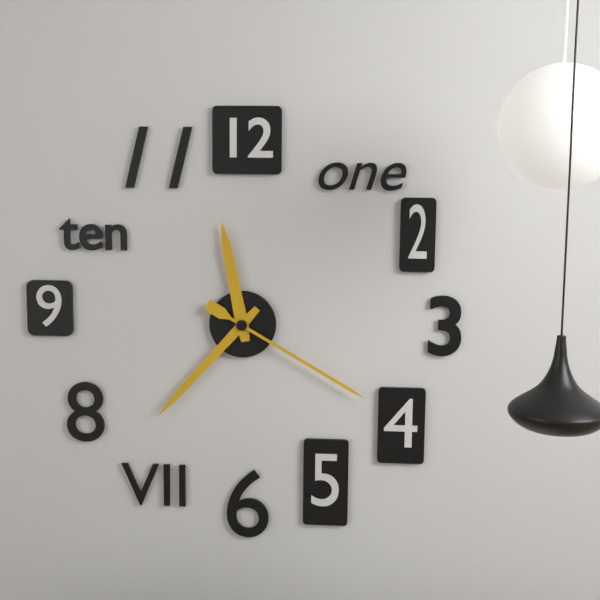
11:37:20
